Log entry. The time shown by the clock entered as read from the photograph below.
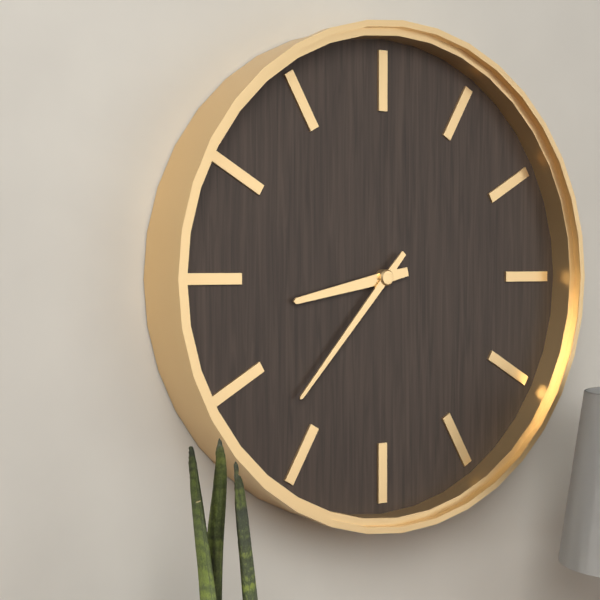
8:37
